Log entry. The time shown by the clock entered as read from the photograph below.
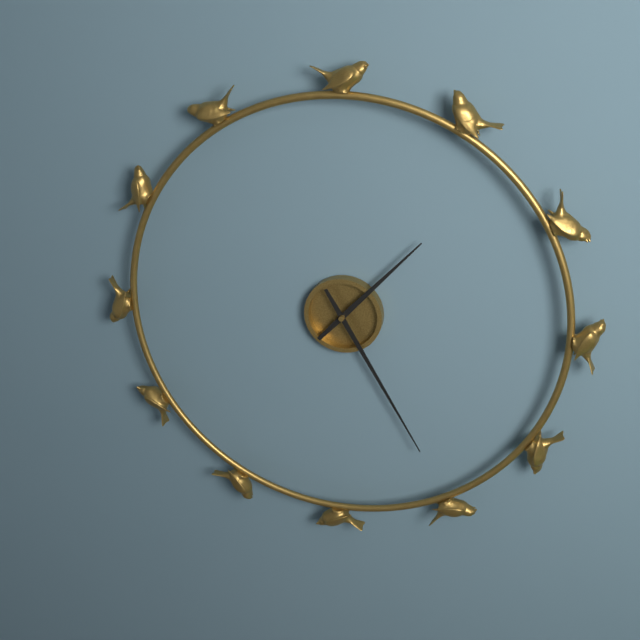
1:25
